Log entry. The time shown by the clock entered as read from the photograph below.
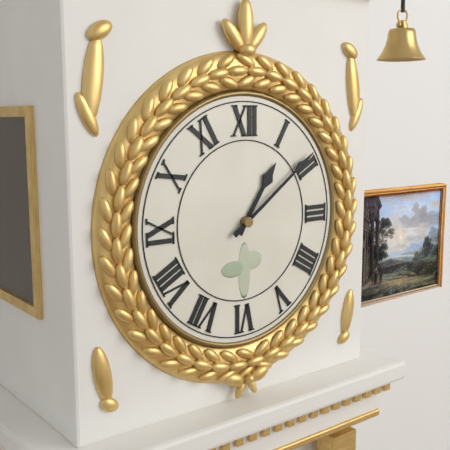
1:09
